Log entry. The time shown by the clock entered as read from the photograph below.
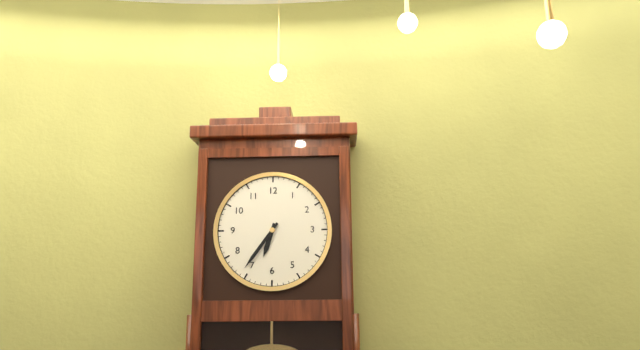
6:36
